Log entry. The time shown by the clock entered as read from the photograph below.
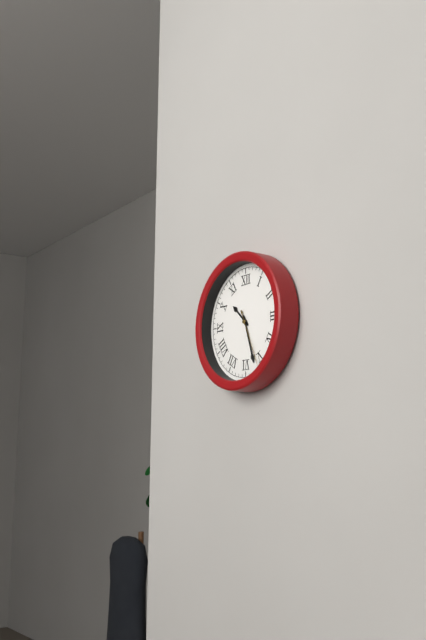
10:27:26
